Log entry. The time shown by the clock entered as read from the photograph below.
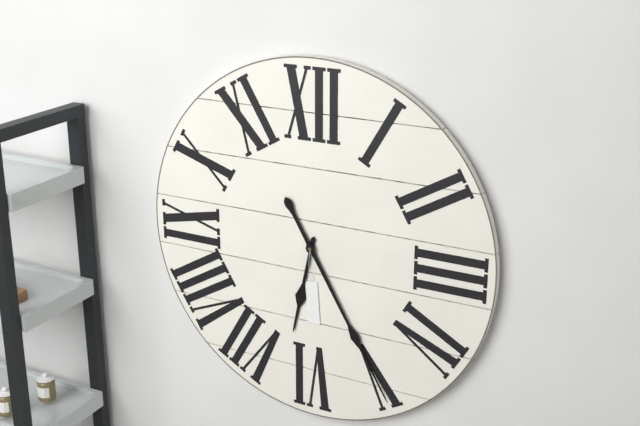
6:25
